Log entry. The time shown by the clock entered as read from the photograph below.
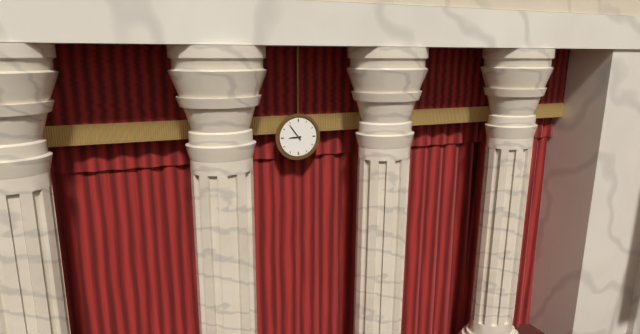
8:54
